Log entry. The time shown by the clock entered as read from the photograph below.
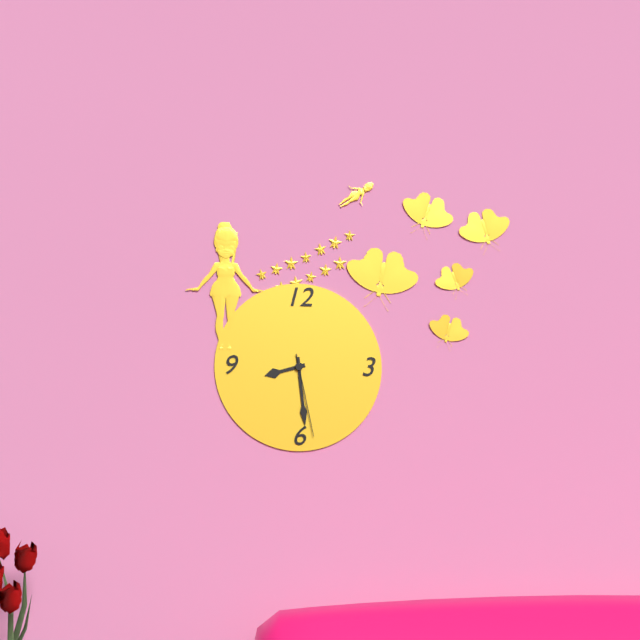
8:29:28
